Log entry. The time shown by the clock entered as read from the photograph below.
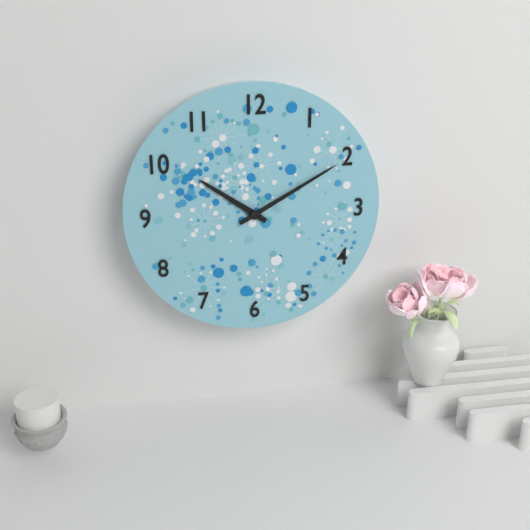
10:10
